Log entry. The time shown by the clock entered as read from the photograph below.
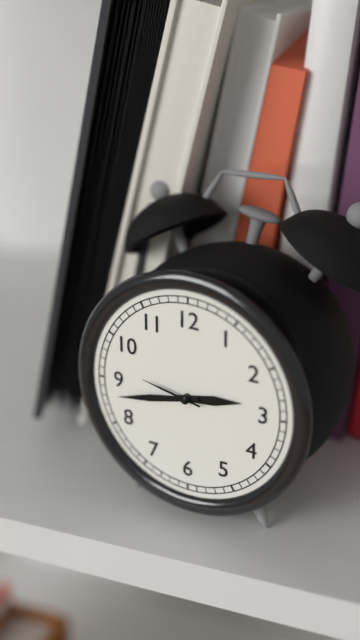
2:43:47
